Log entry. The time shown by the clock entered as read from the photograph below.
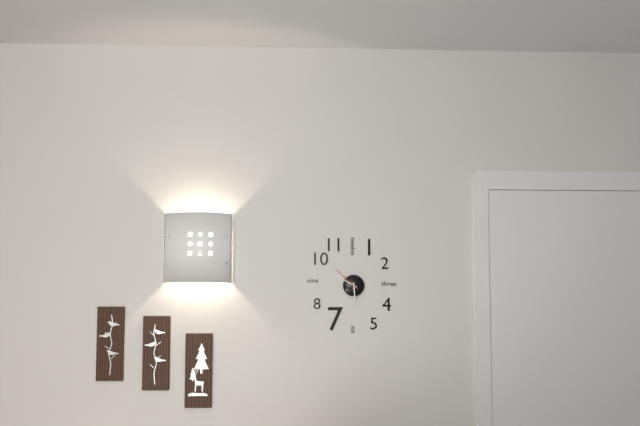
5:50
